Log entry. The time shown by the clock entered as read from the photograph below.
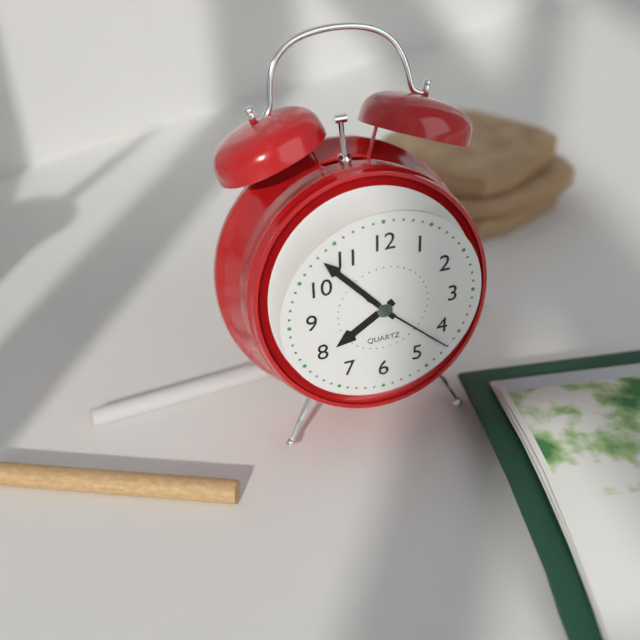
7:53:22
